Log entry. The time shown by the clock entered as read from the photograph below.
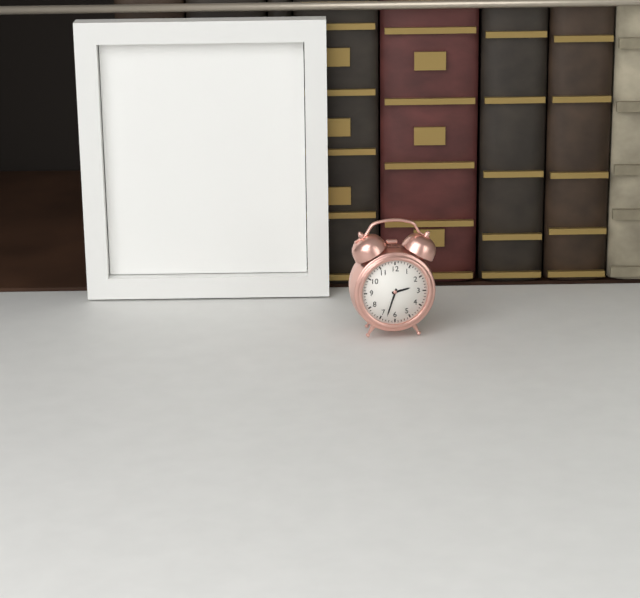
2:33
